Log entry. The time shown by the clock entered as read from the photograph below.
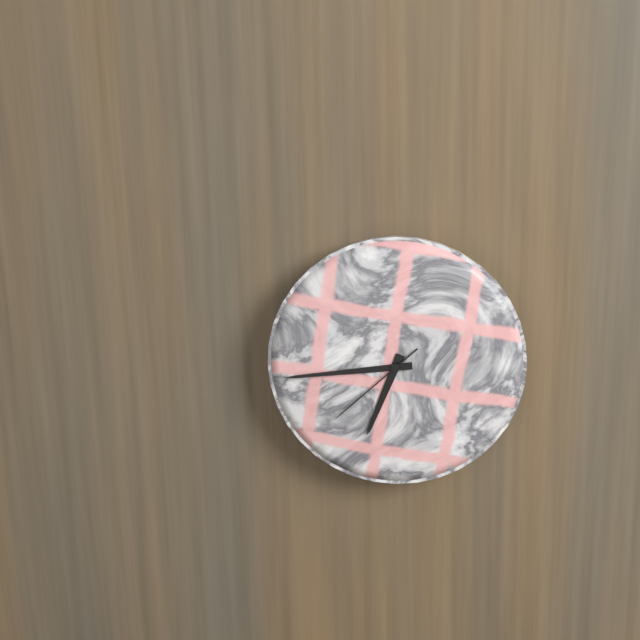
6:44:38
